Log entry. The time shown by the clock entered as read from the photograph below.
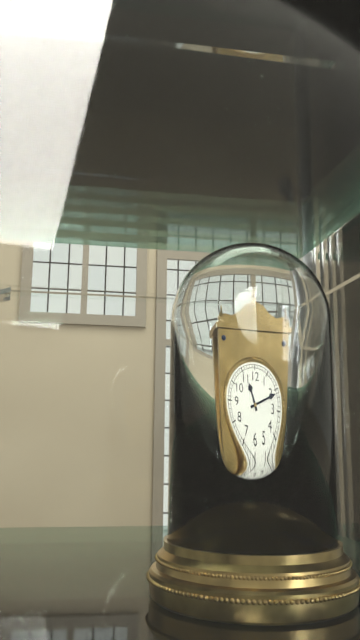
11:11
